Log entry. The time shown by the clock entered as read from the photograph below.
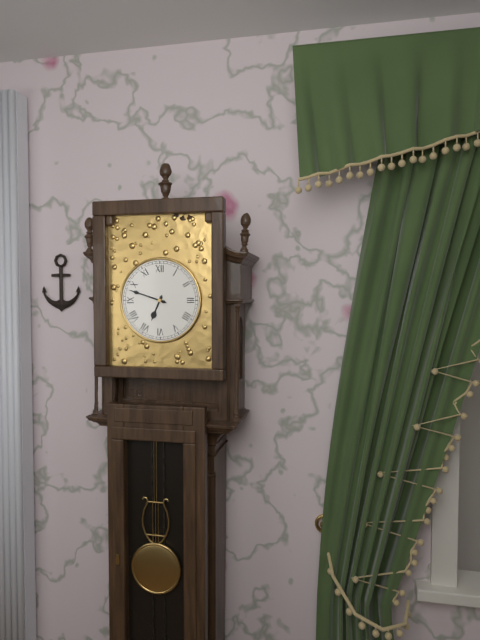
6:48
